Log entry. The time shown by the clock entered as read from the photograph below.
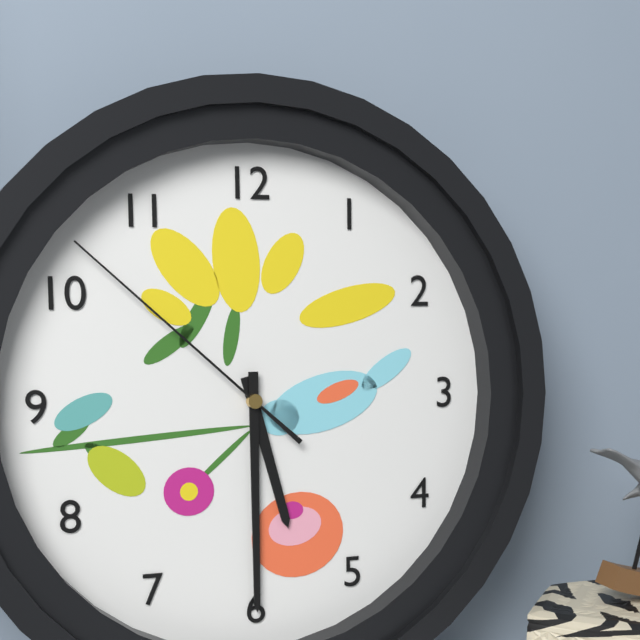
5:30:52
